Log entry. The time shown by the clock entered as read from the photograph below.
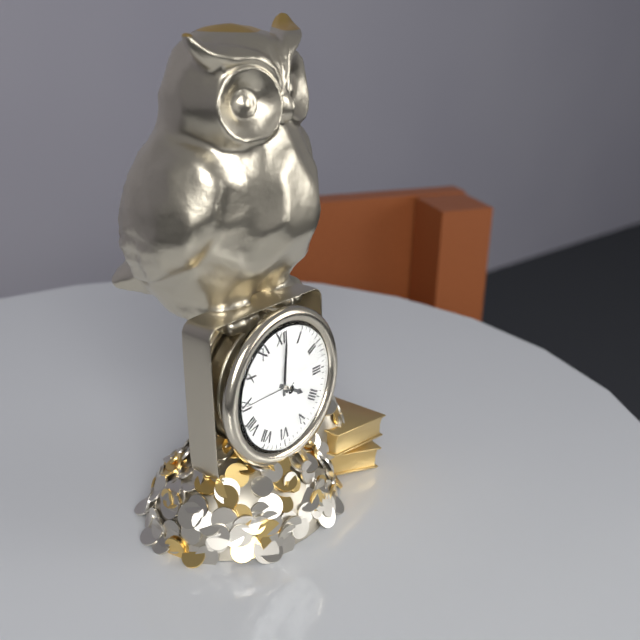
4:01
